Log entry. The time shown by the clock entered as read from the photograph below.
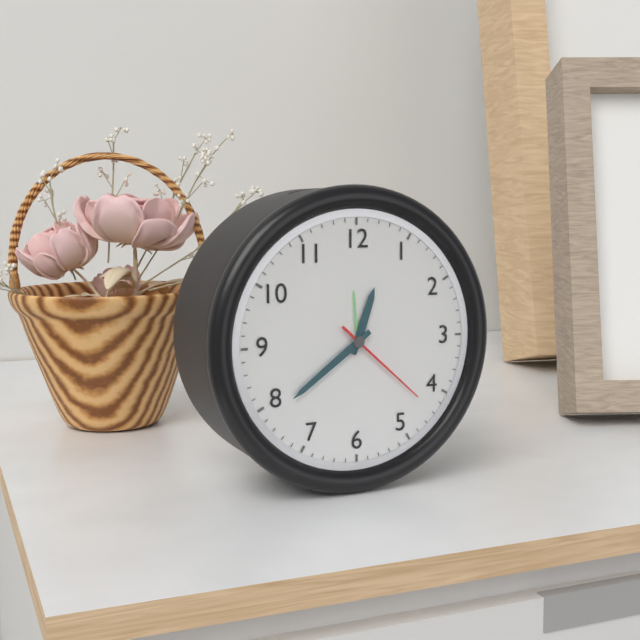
12:39:22
